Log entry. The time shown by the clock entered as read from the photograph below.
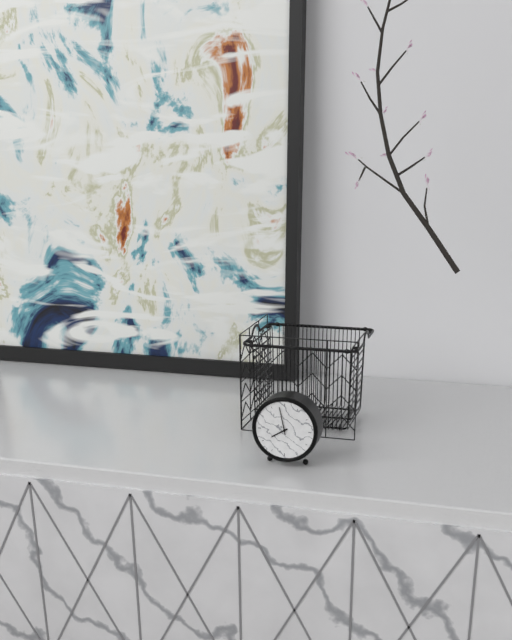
7:58
